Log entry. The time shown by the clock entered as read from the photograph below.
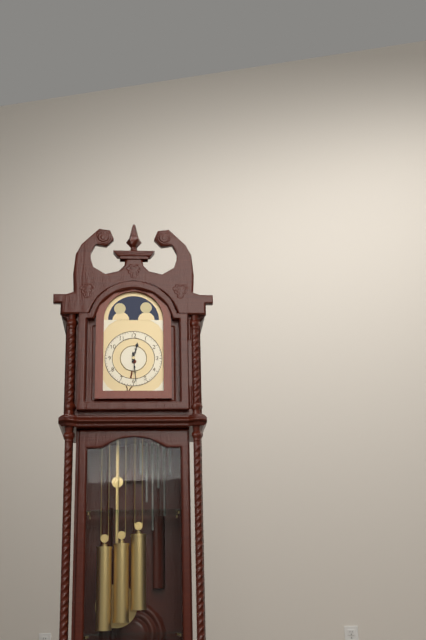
12:29
